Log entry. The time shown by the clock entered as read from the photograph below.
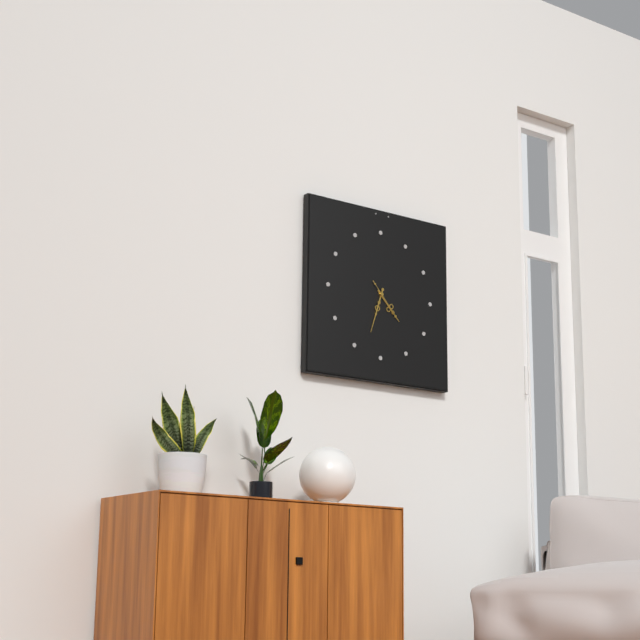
4:33
